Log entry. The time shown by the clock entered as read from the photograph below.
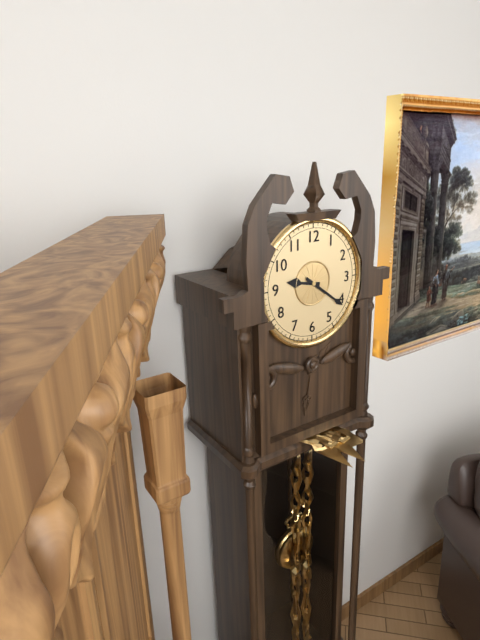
9:21
